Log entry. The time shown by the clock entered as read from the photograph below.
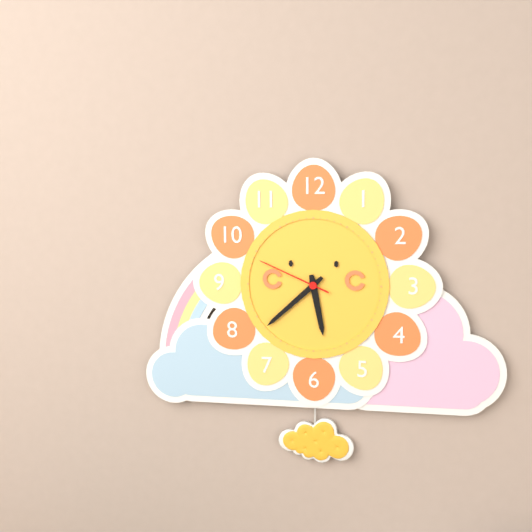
5:38:49
